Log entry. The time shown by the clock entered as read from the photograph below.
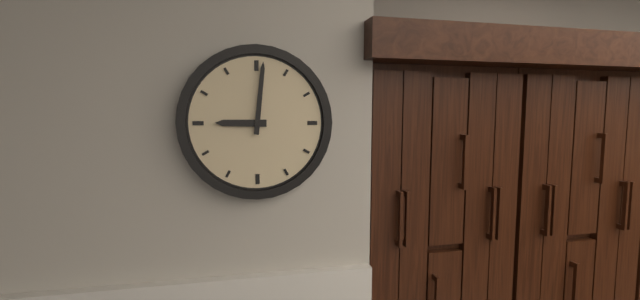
9:01
